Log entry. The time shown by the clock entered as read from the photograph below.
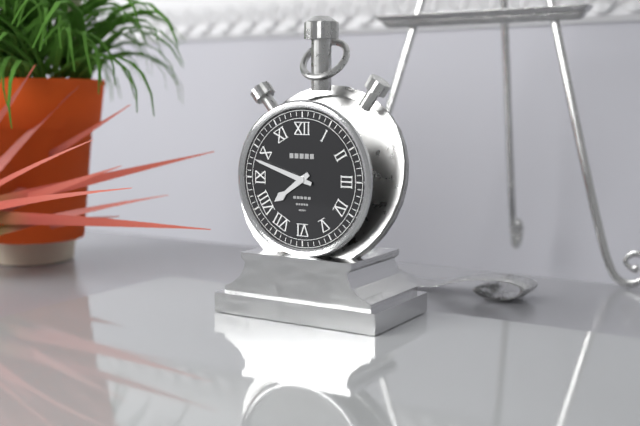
7:48
